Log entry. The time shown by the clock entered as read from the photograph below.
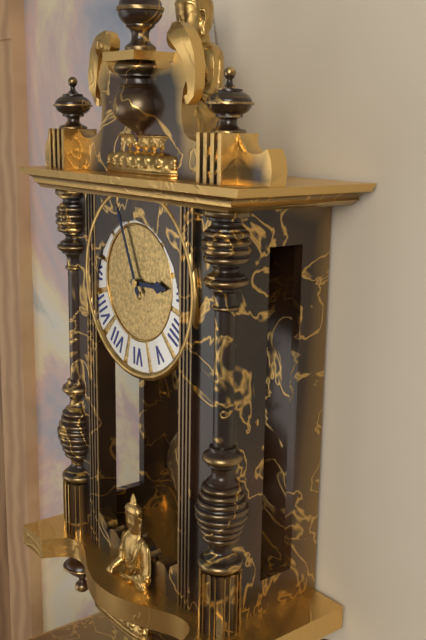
2:56
